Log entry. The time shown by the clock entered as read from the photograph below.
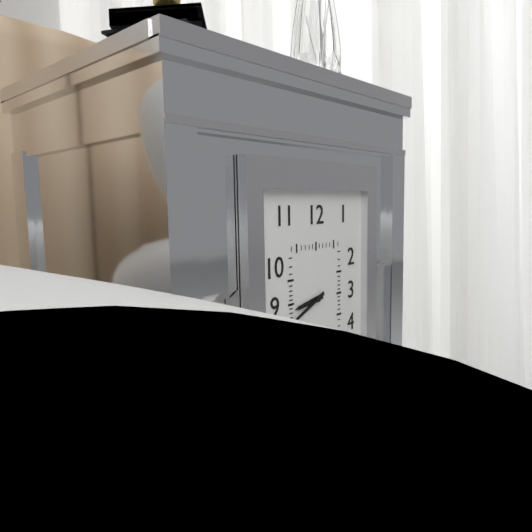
8:41
